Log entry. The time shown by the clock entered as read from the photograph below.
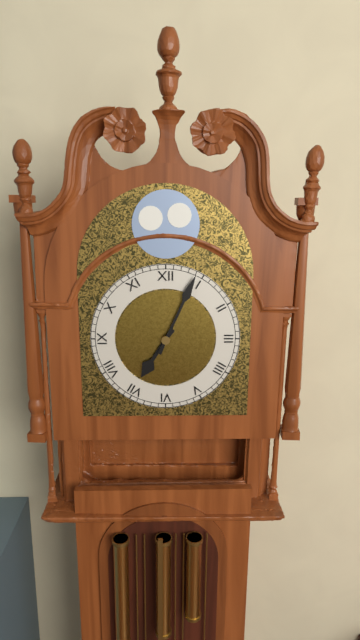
7:04
